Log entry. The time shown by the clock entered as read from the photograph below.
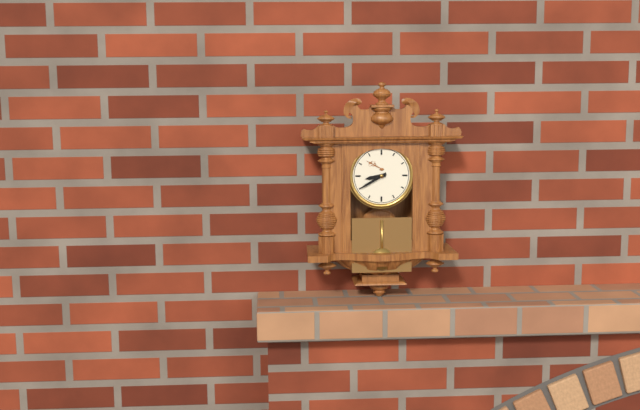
8:40
